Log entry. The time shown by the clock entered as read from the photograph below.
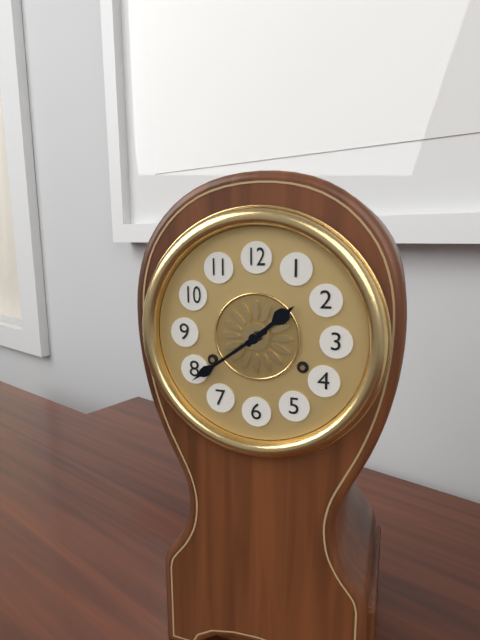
1:39
